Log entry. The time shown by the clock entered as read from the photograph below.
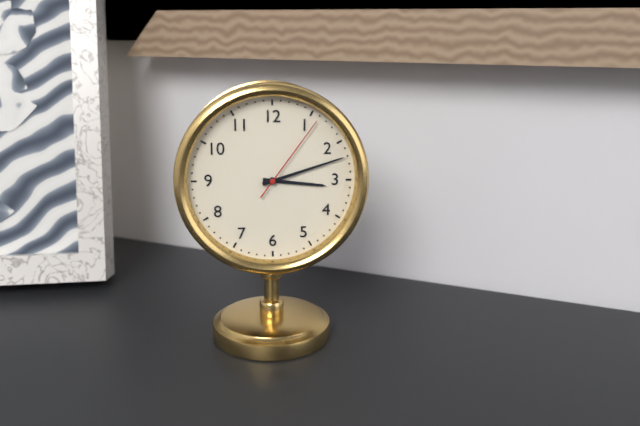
3:12:06
